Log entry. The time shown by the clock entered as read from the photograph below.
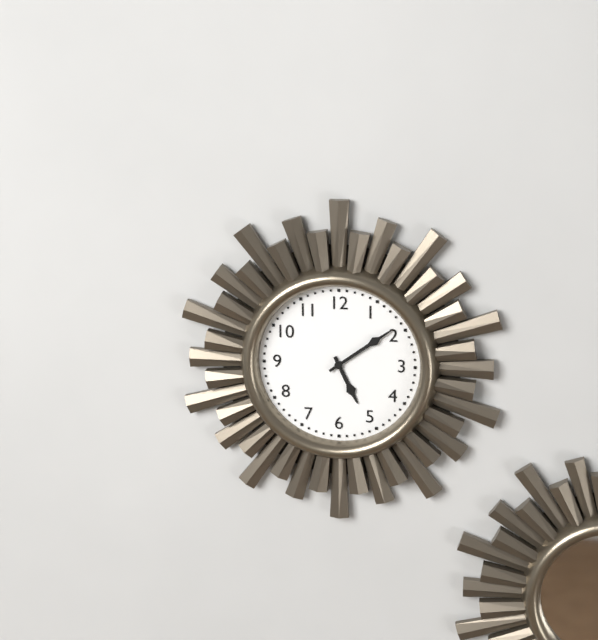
5:09
